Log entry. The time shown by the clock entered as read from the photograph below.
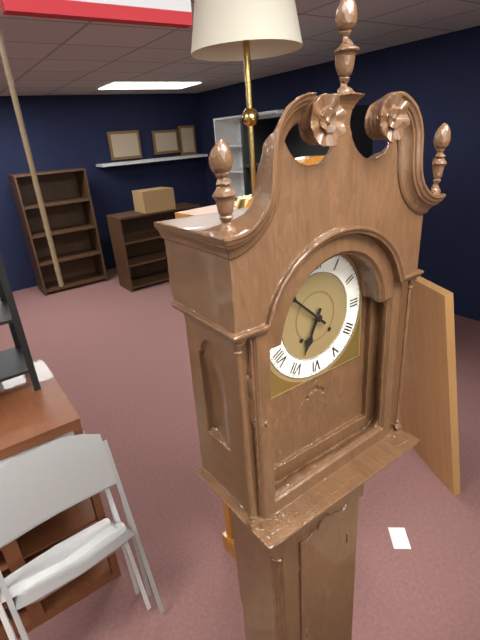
6:52
